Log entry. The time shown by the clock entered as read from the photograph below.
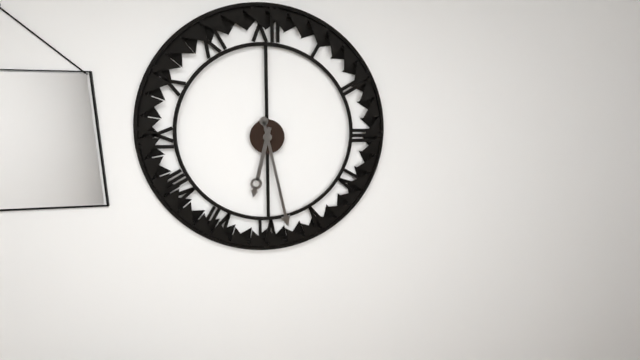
6:28
